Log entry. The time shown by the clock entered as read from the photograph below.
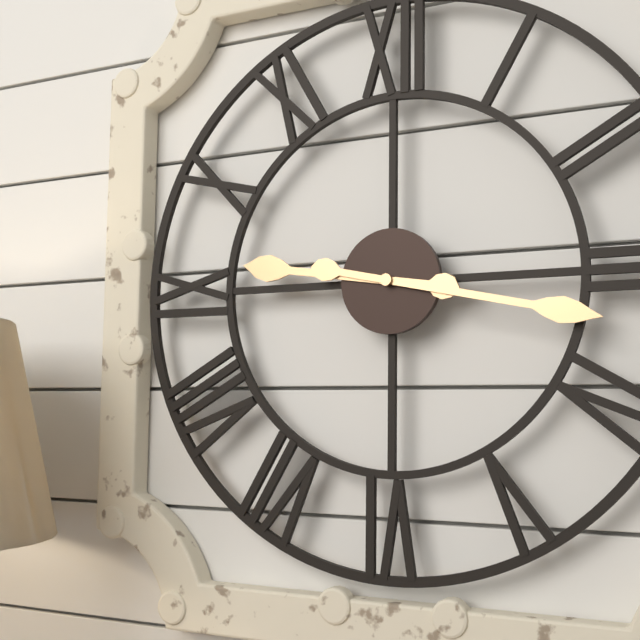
9:17
